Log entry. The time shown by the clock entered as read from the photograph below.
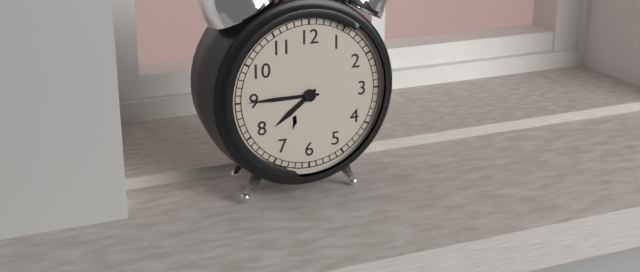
7:45
